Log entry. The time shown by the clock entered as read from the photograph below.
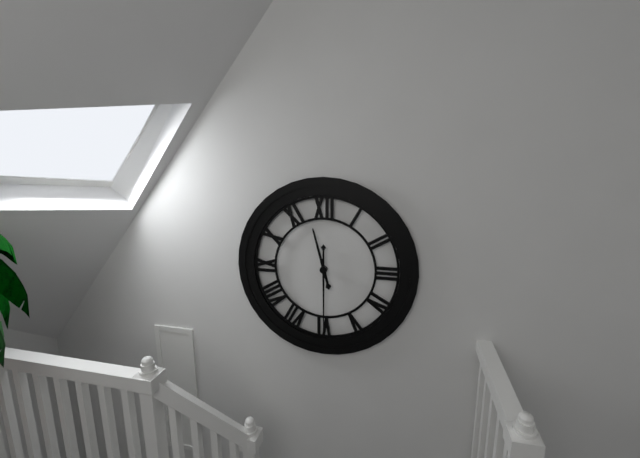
11:30
